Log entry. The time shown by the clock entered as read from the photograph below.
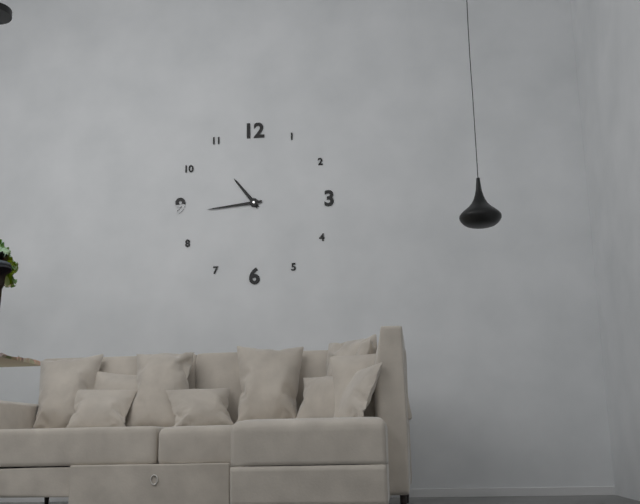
10:44
